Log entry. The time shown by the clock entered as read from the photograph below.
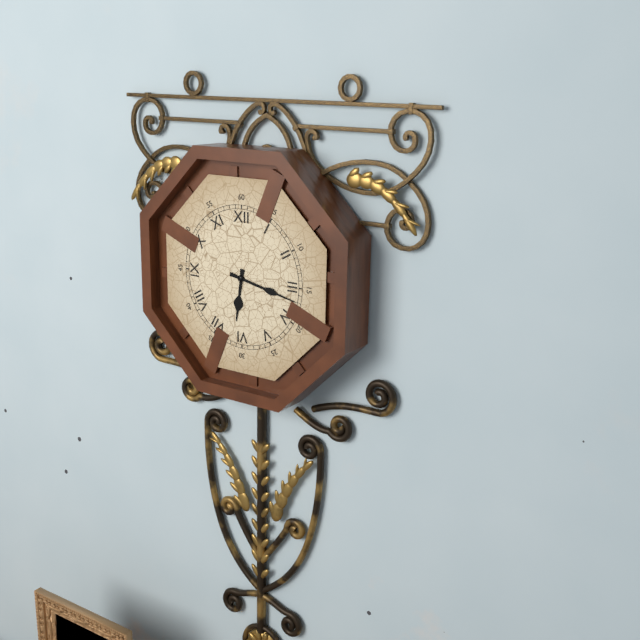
6:17
